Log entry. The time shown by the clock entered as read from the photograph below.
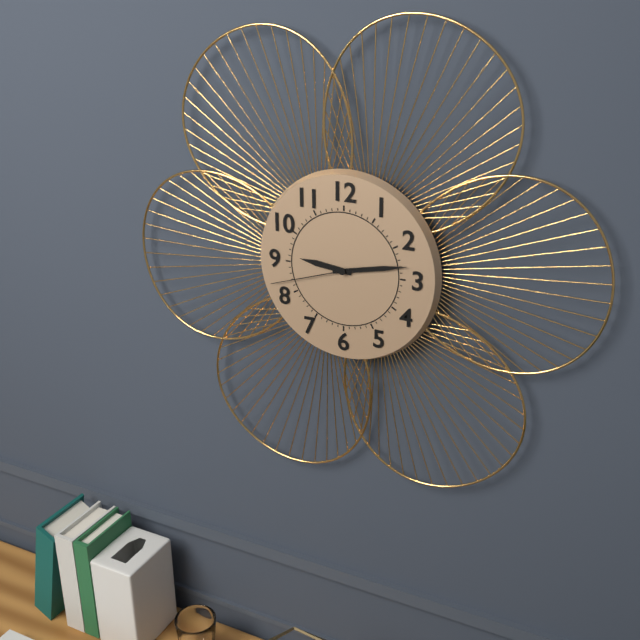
9:13:42
